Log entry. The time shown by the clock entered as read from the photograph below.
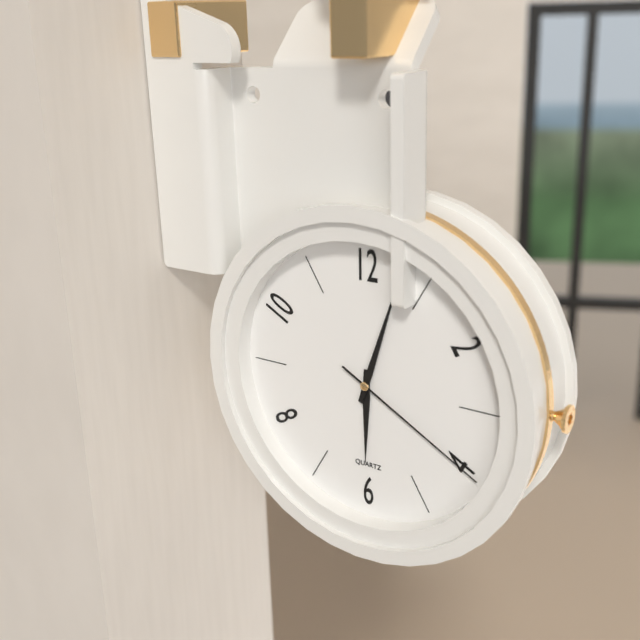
6:03:20
